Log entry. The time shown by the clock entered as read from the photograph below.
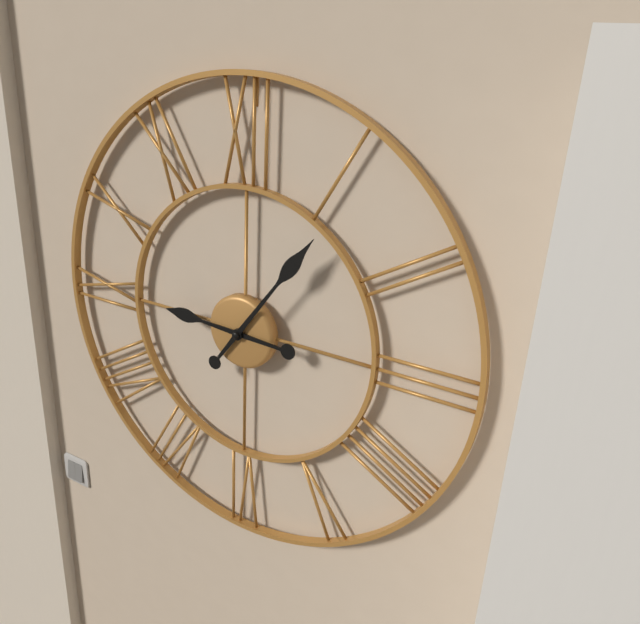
9:06
